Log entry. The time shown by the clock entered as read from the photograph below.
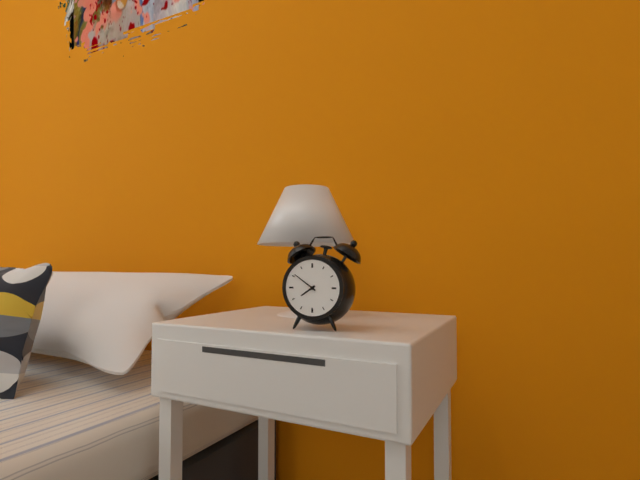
7:51
